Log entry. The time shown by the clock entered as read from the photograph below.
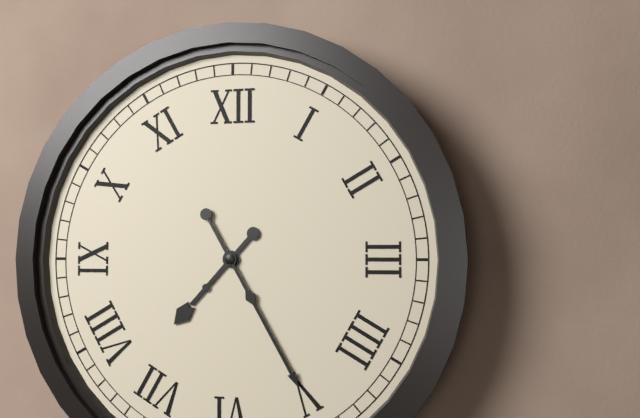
7:25
